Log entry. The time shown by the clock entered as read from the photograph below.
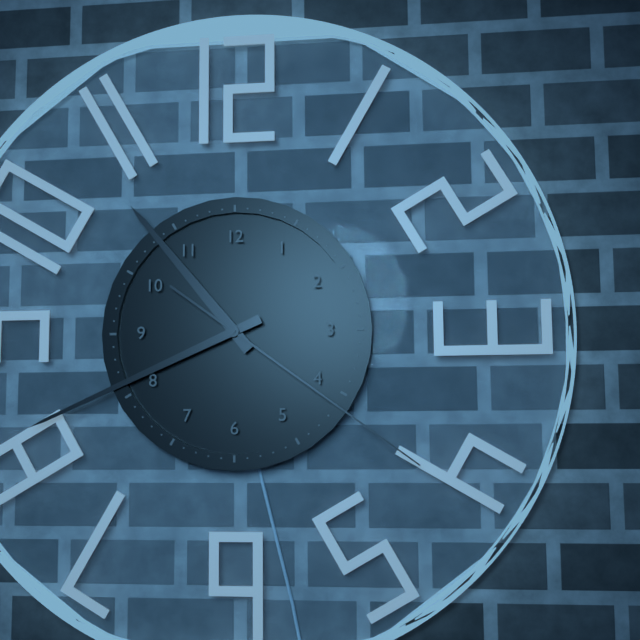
10:41:21
